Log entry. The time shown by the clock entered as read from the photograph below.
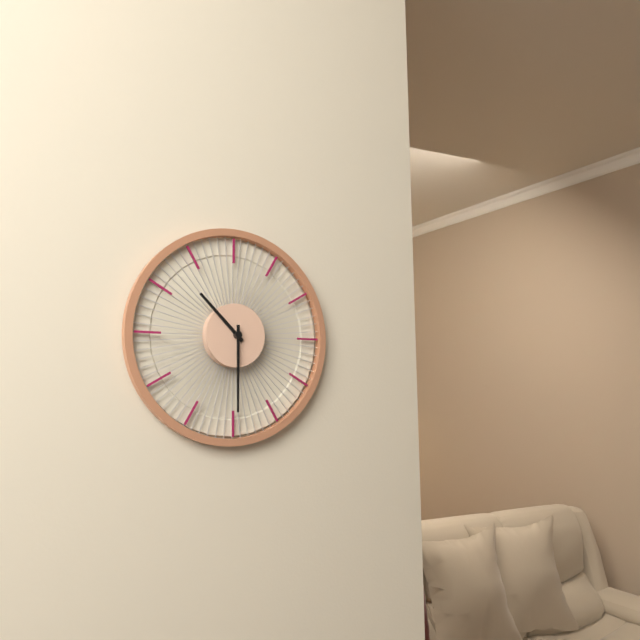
10:30
